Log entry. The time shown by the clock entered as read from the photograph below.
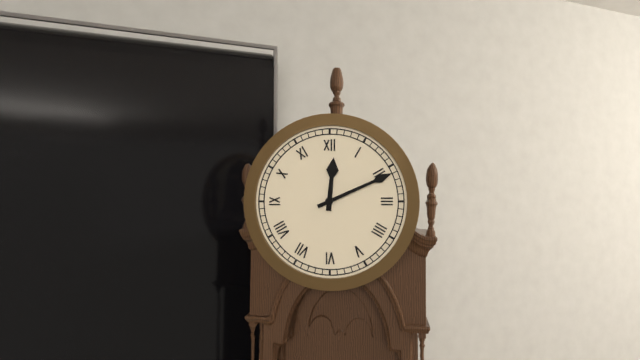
12:11
